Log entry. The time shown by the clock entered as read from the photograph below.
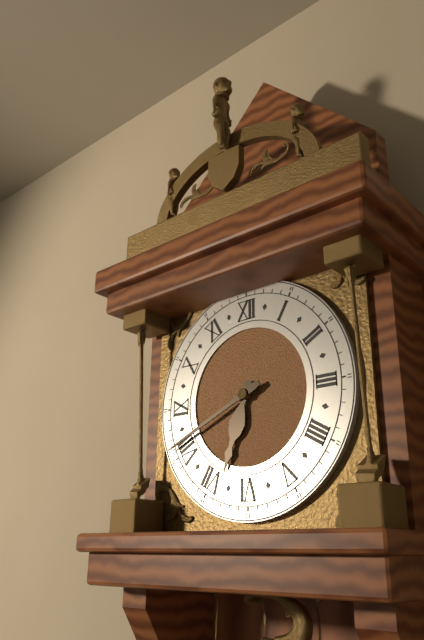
6:41
